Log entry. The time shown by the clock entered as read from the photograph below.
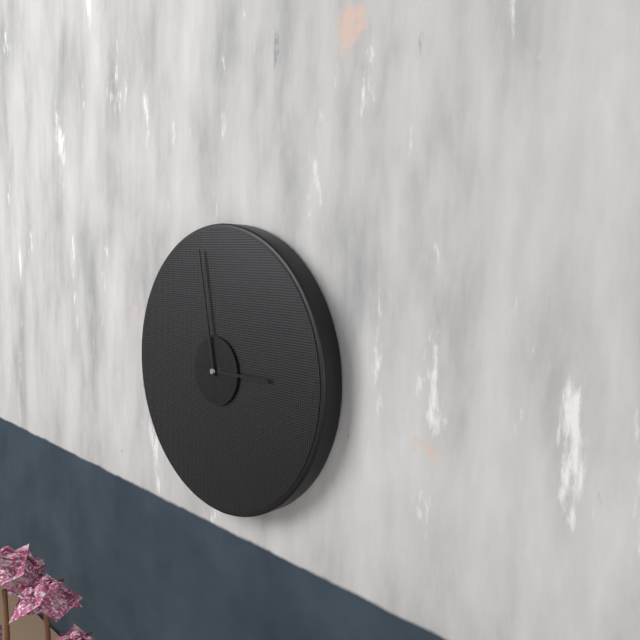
2:58
